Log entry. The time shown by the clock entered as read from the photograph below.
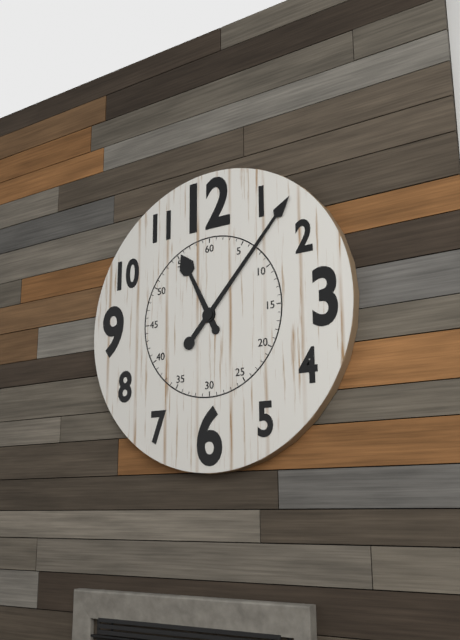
11:07
